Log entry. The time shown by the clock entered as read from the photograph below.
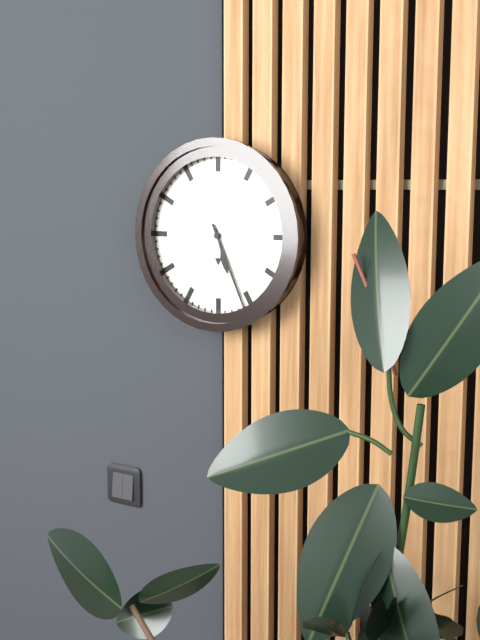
5:26
